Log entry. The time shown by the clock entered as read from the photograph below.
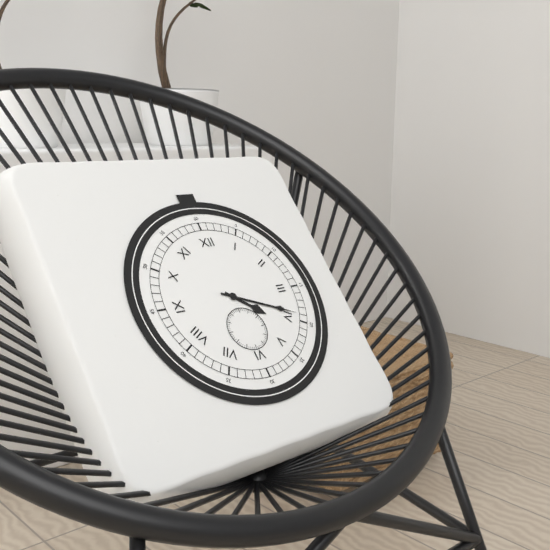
4:19
